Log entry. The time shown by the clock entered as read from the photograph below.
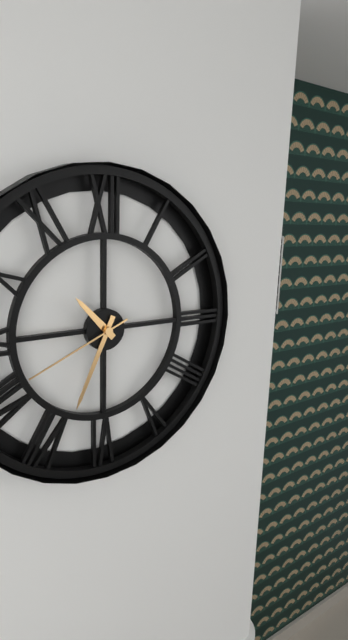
10:34:41
